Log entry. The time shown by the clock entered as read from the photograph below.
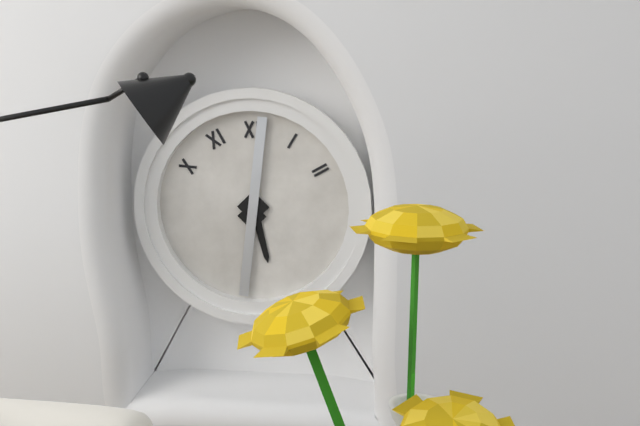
5:31
